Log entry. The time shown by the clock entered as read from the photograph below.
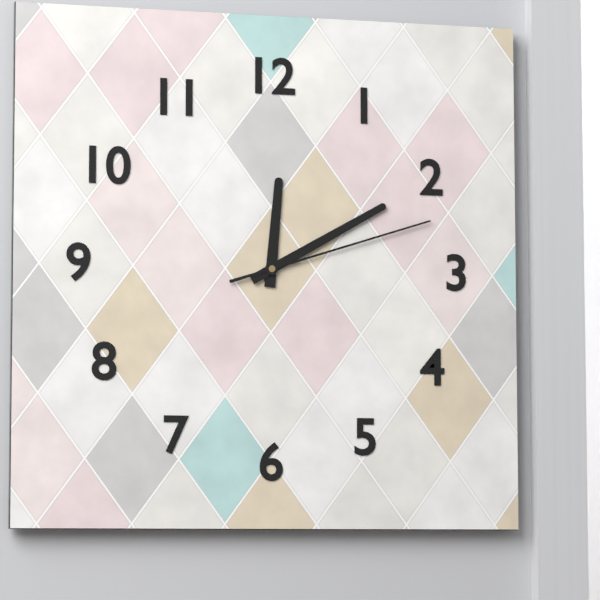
12:10:12
